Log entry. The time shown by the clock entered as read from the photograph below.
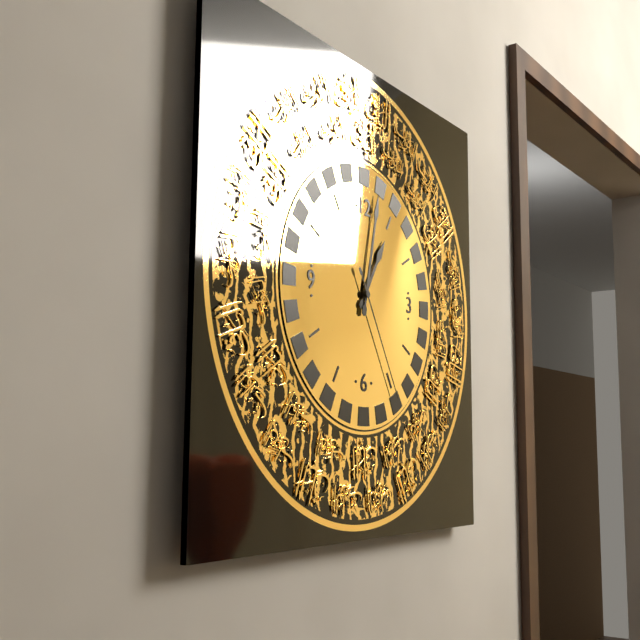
1:02:25
